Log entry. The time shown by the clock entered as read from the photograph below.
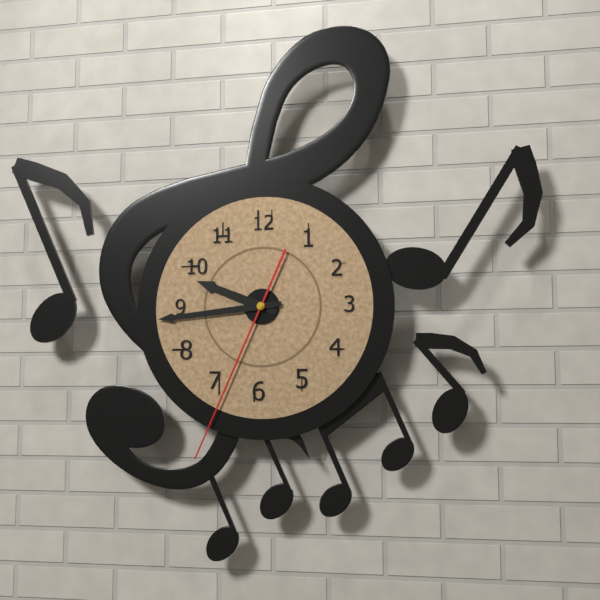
9:44:34
